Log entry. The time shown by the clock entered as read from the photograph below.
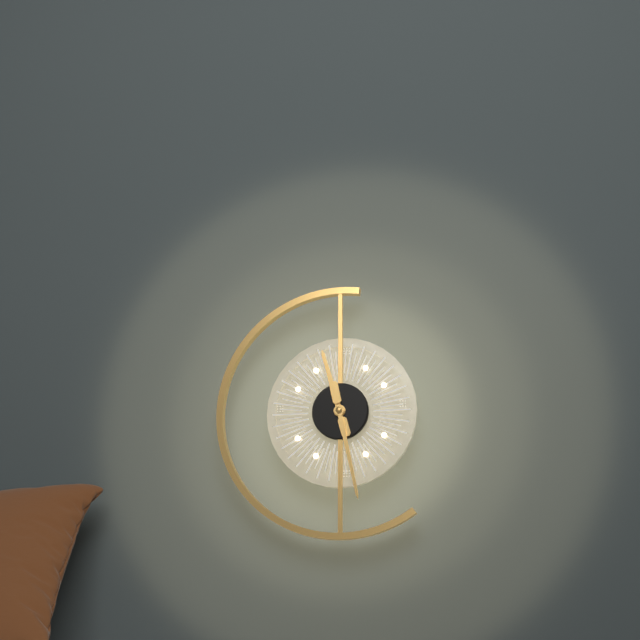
11:28
